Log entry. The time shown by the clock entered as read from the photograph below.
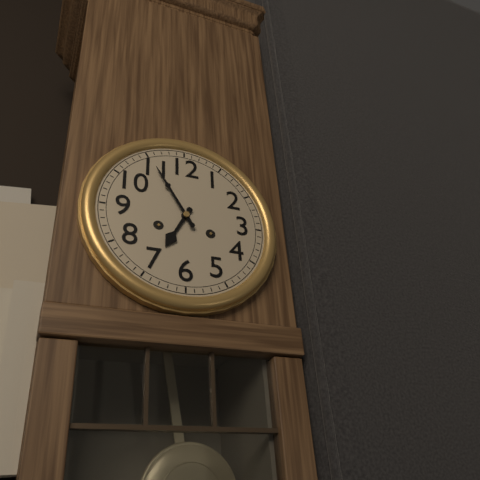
6:55
